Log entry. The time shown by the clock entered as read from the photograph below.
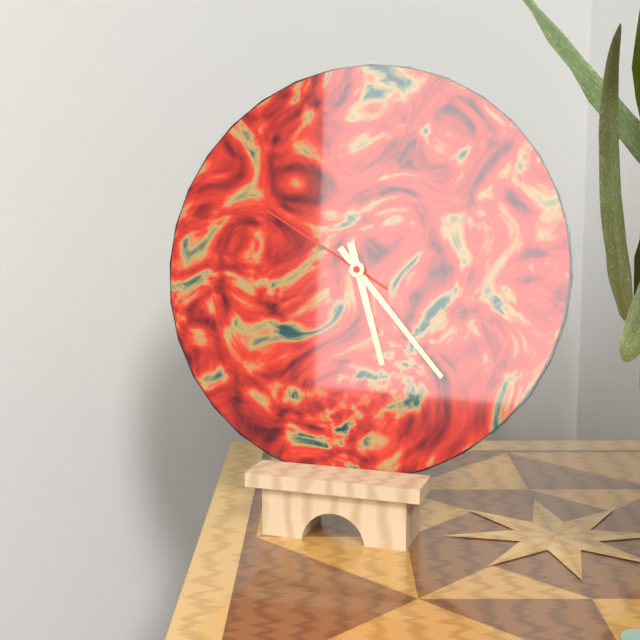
5:23:50
